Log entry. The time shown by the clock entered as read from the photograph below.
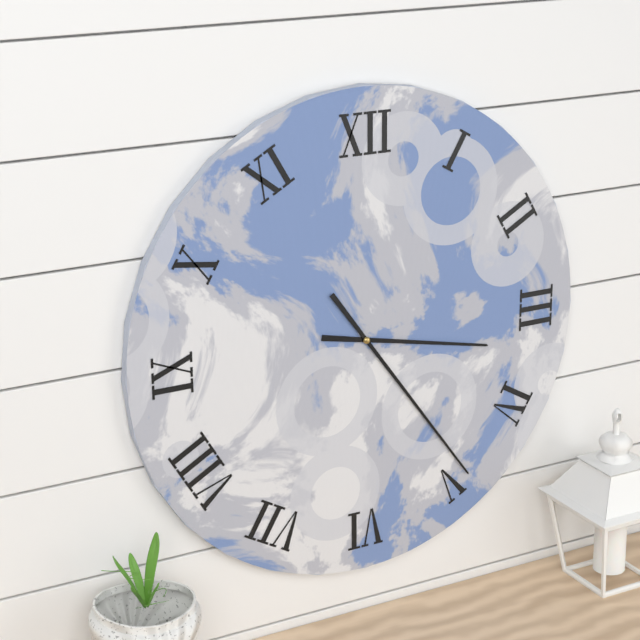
3:24
